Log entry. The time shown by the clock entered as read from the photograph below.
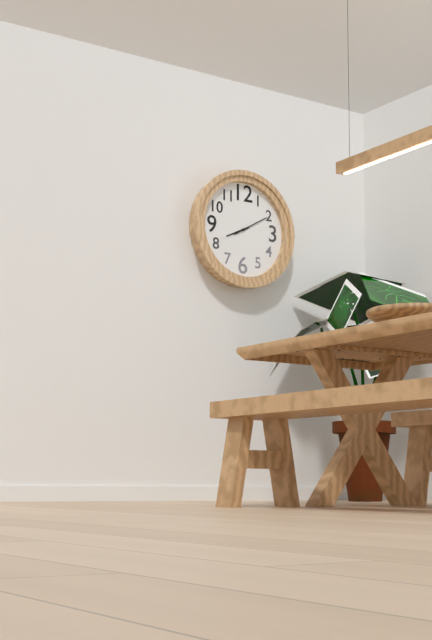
8:10
